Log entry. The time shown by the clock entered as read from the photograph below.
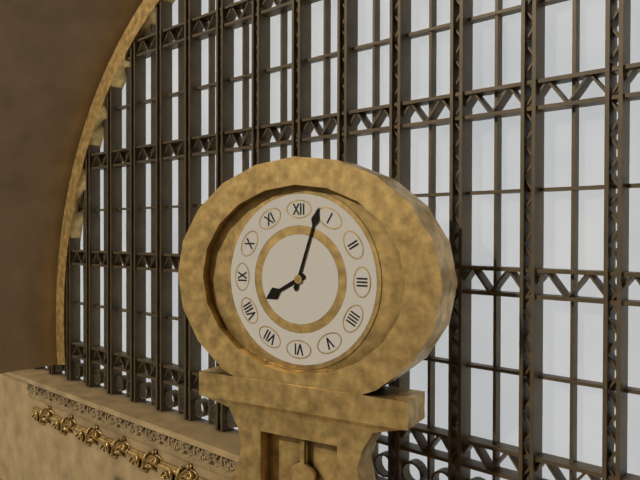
8:03
